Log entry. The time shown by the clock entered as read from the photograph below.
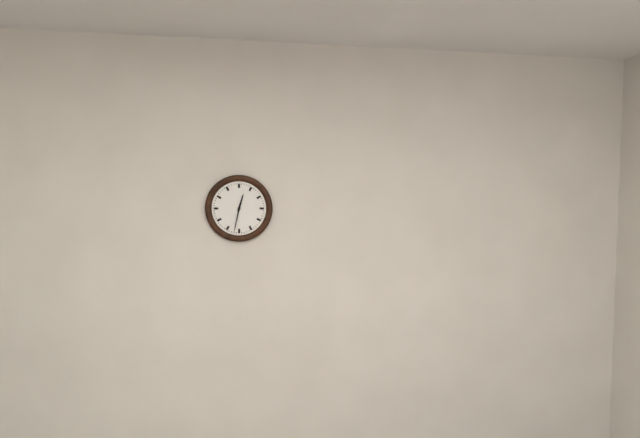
12:32
